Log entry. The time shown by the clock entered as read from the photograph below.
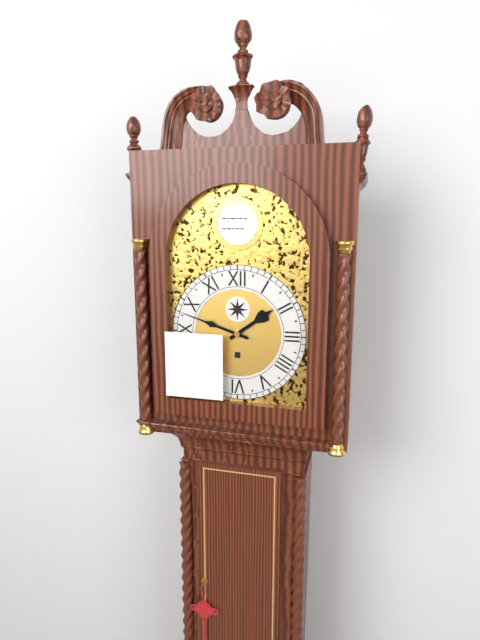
1:48
